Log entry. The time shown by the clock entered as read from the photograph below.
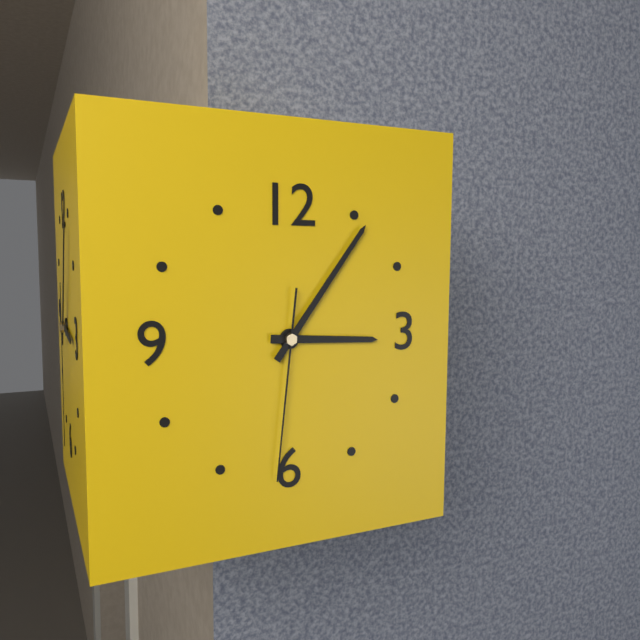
3:06:31
